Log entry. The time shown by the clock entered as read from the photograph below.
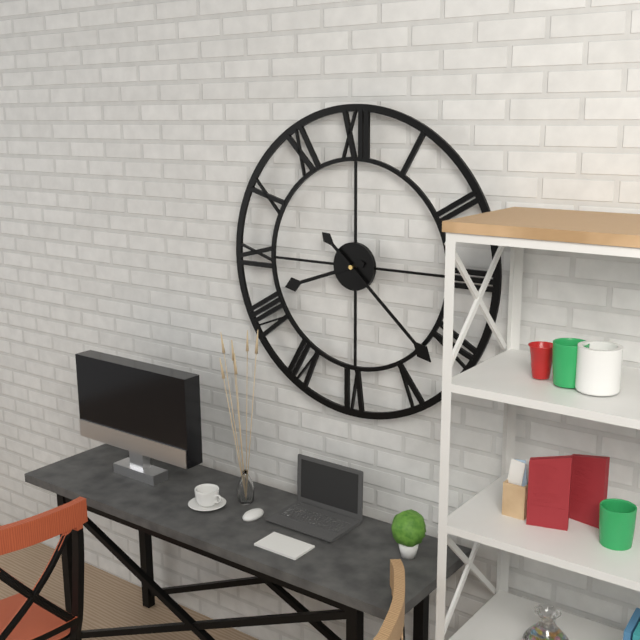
8:22
